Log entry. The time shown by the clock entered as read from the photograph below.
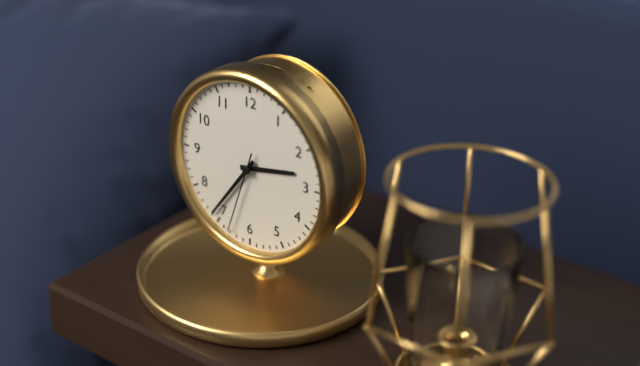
2:36:33
